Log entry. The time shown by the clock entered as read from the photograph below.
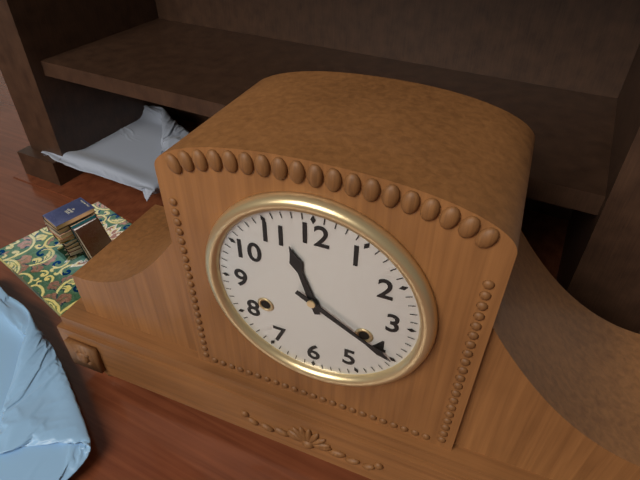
11:20
